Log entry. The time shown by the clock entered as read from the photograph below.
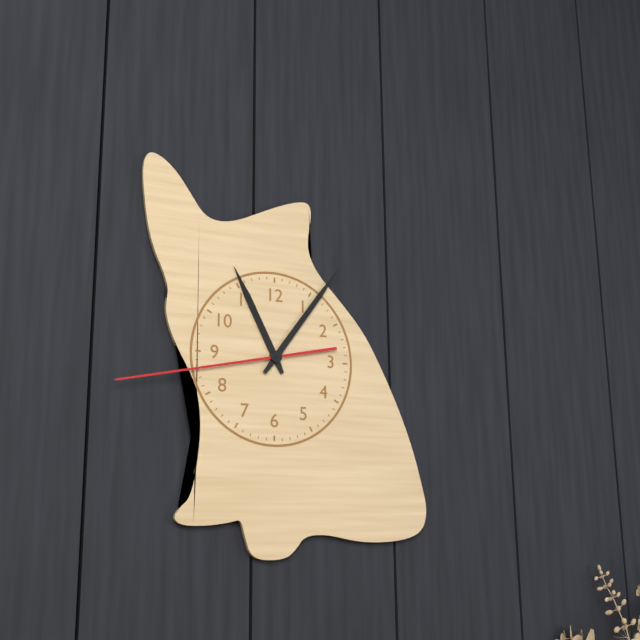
11:06:43
